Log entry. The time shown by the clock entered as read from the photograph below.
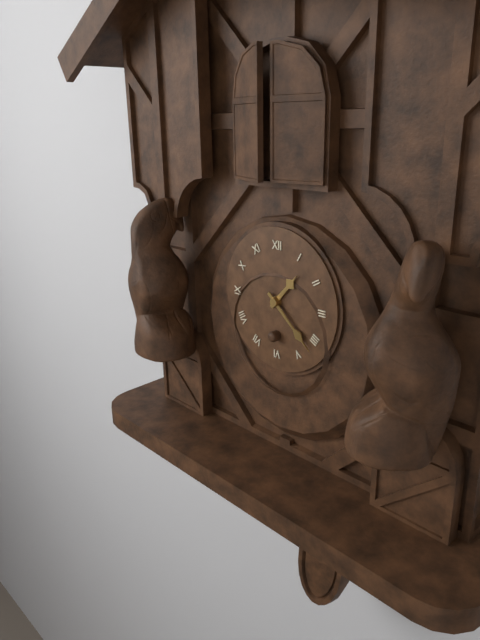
1:22
